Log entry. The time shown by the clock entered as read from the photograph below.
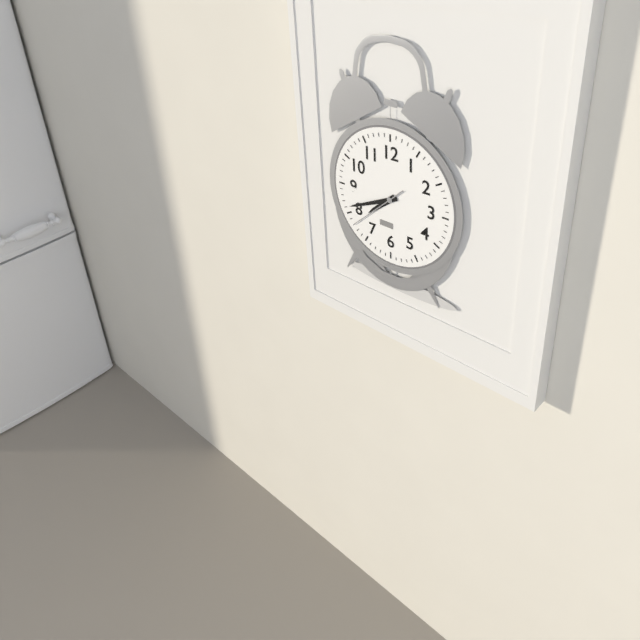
7:41:38
